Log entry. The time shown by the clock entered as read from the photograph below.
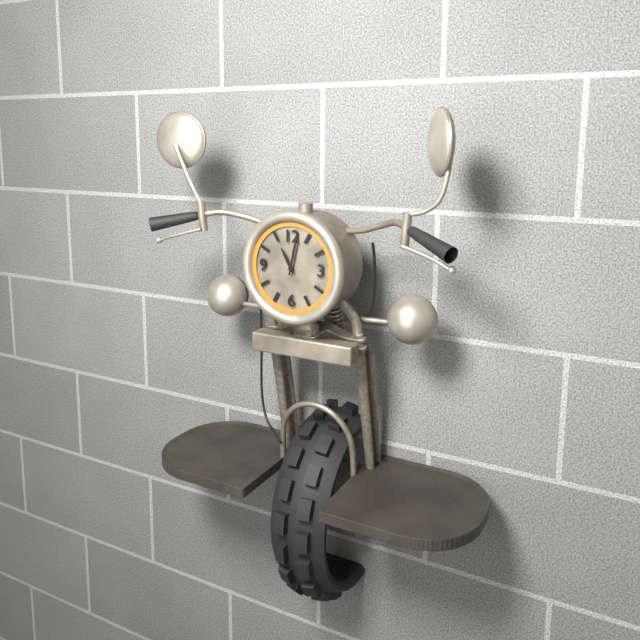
11:02
